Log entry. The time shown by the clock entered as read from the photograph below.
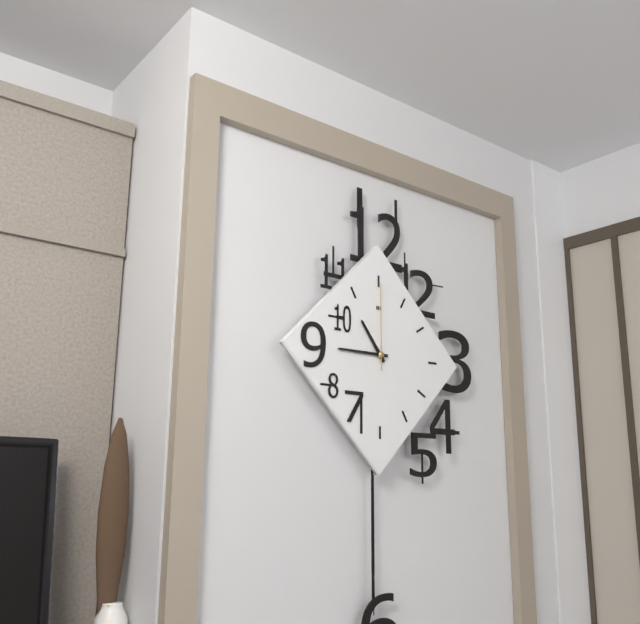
10:45:00
